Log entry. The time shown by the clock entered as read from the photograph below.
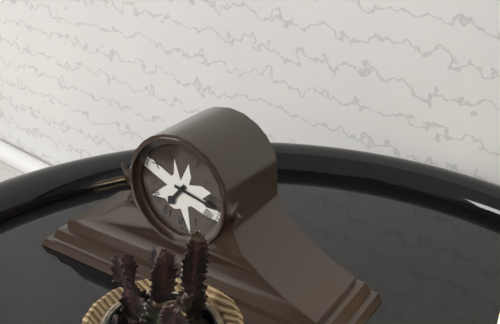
7:17
